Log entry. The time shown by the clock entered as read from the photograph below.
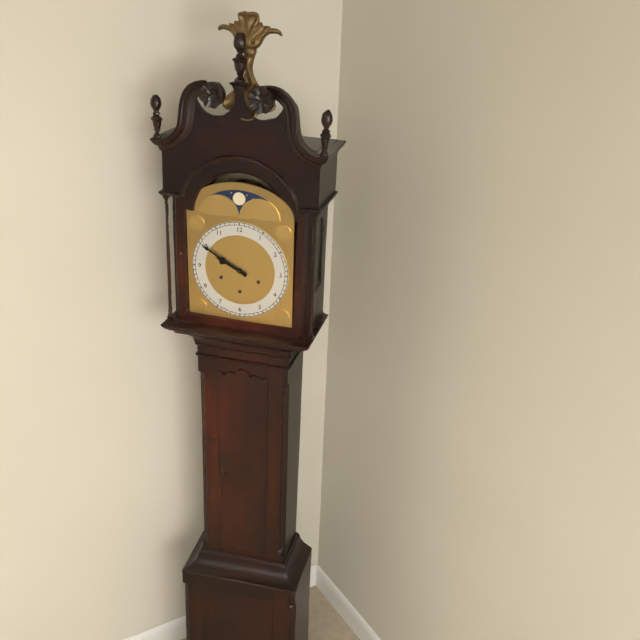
9:50
